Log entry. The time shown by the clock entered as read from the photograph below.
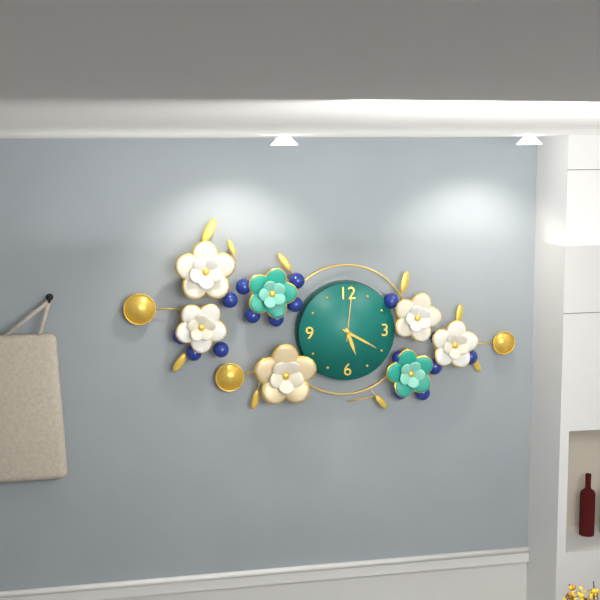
5:20:01
